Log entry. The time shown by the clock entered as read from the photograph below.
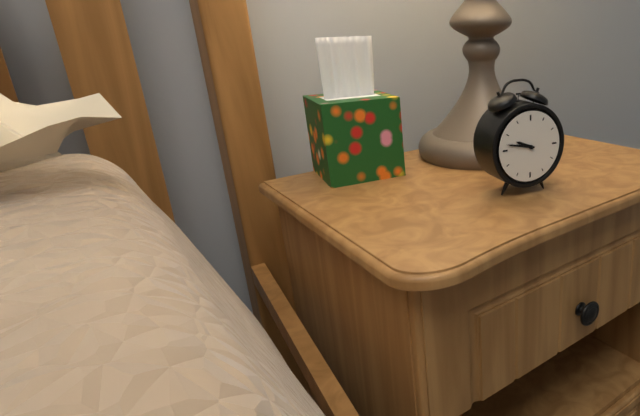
9:47
